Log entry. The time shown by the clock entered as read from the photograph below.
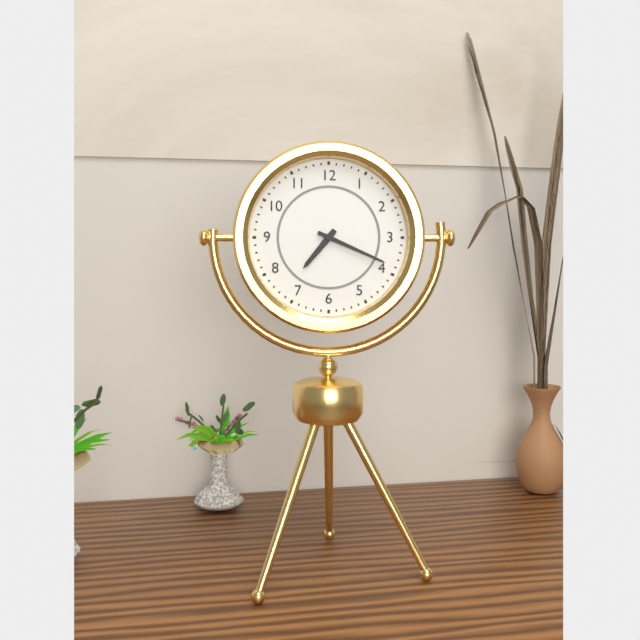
7:19
